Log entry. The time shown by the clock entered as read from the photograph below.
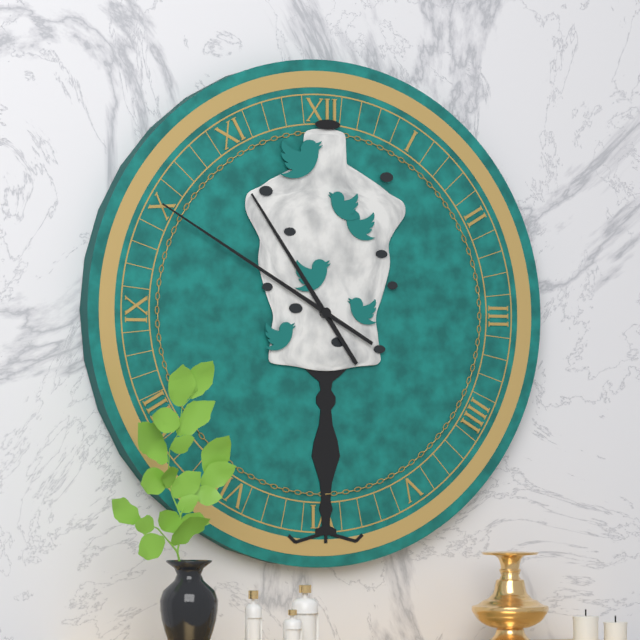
10:50
